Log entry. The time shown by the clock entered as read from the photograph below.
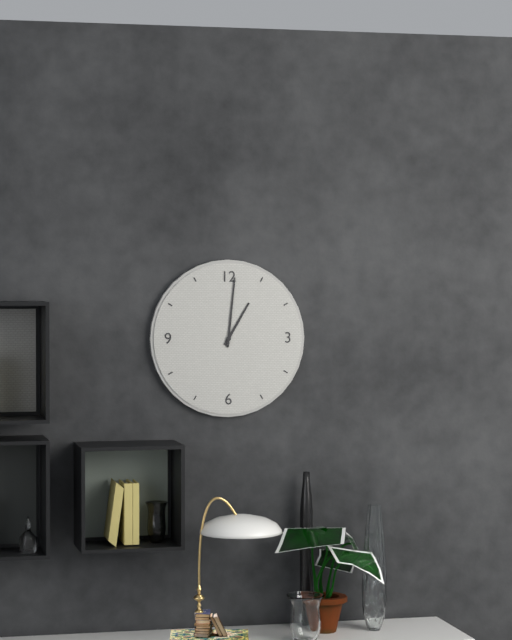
1:01
